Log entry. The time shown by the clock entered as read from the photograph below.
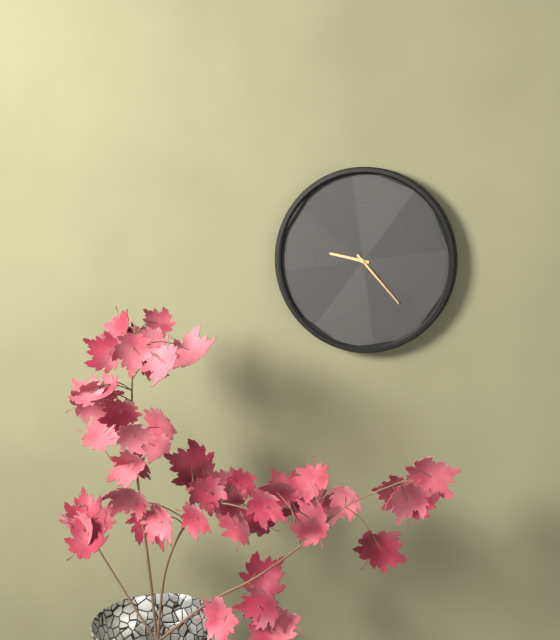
9:23
